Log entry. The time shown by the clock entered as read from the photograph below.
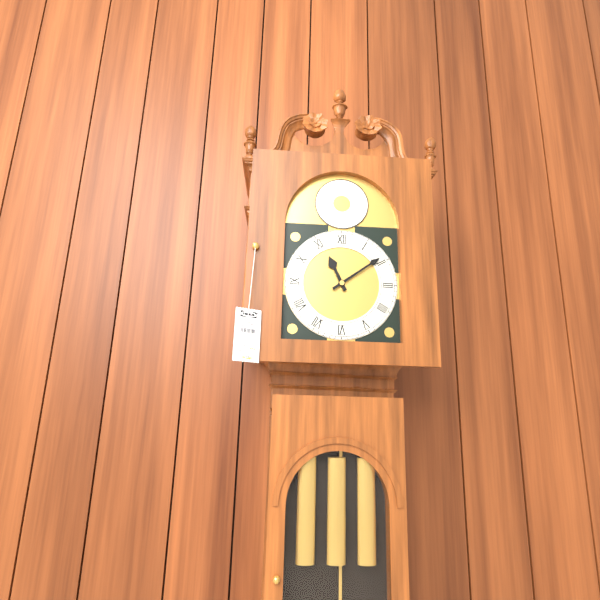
11:09
